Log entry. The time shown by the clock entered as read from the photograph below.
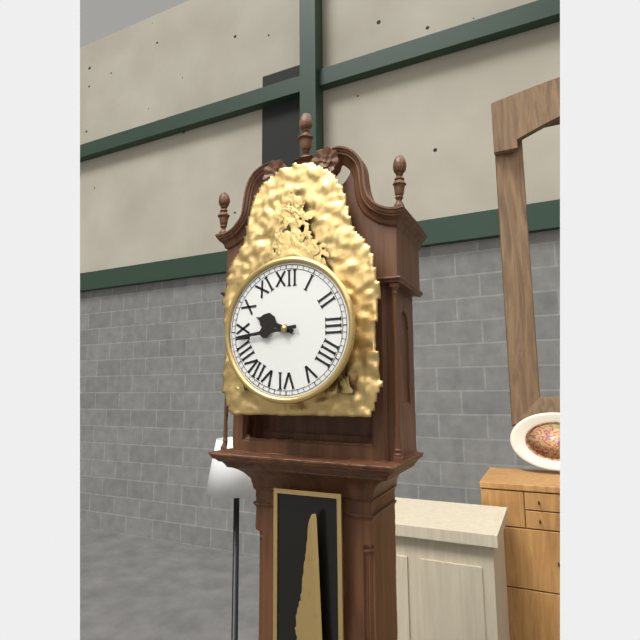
9:44
